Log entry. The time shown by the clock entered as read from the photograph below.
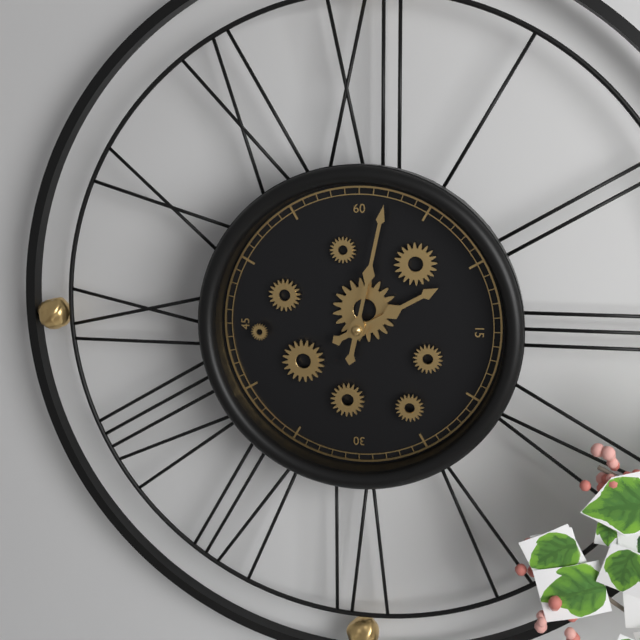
2:02
